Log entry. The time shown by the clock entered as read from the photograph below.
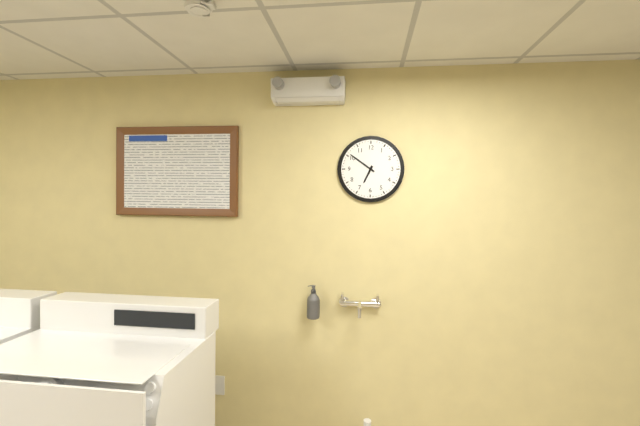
6:51
